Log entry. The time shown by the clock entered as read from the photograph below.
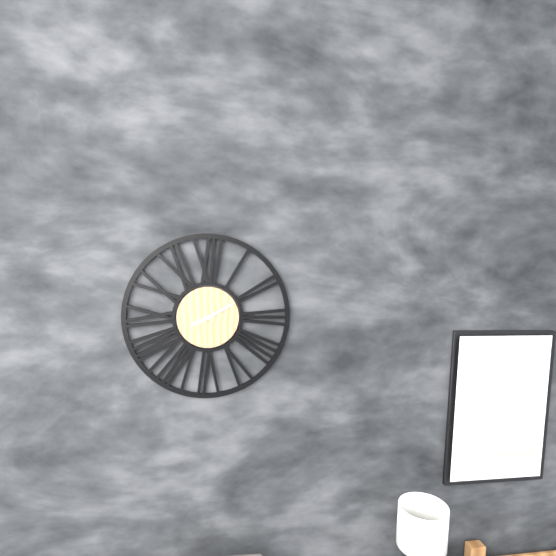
8:10
